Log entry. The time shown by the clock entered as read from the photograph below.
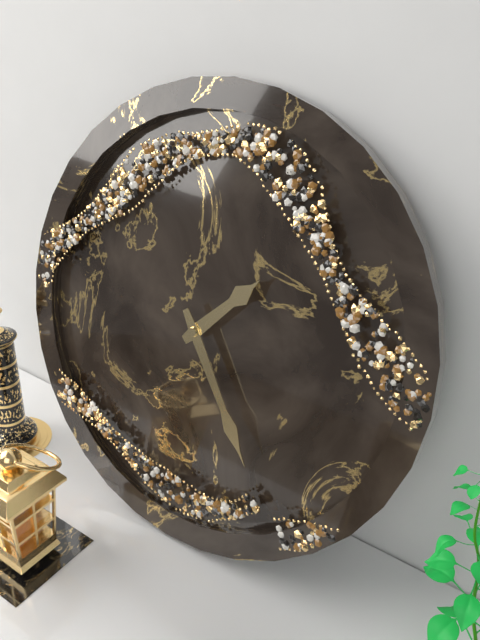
1:24
